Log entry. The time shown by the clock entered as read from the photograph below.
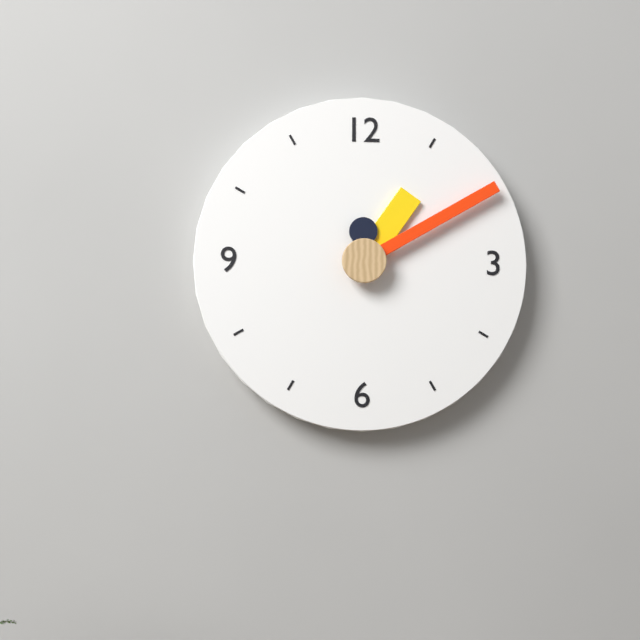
1:10
